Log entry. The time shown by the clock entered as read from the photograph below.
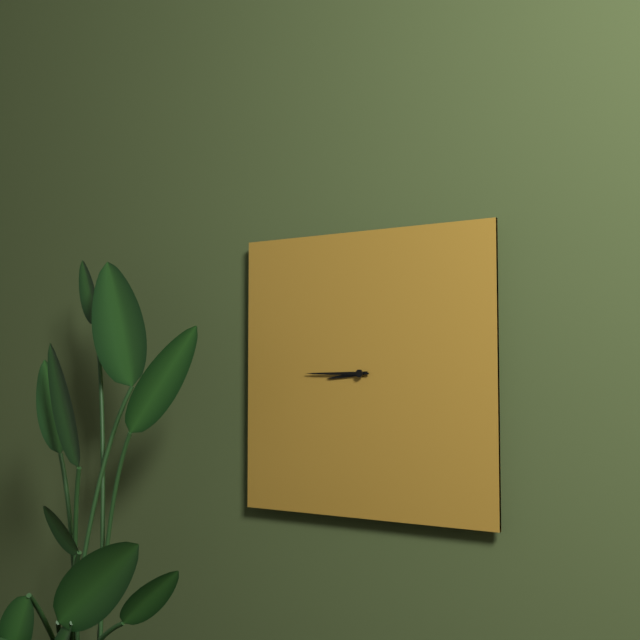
8:45
